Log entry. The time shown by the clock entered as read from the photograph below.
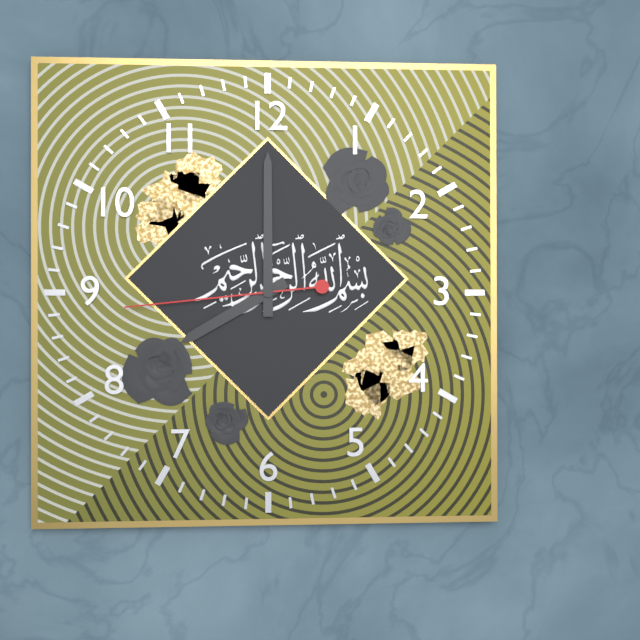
8:00:44
